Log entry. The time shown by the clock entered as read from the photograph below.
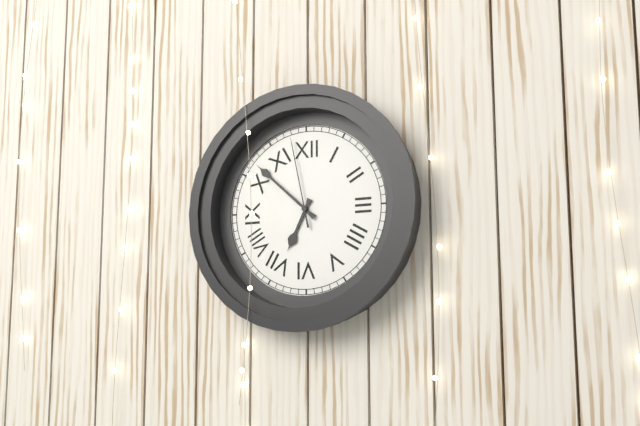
6:52:58
